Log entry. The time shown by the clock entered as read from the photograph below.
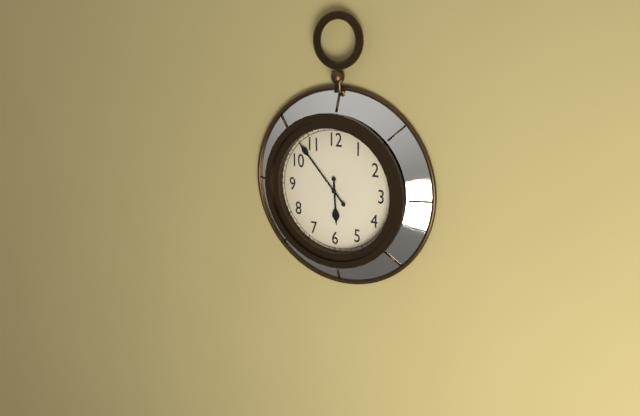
5:53
